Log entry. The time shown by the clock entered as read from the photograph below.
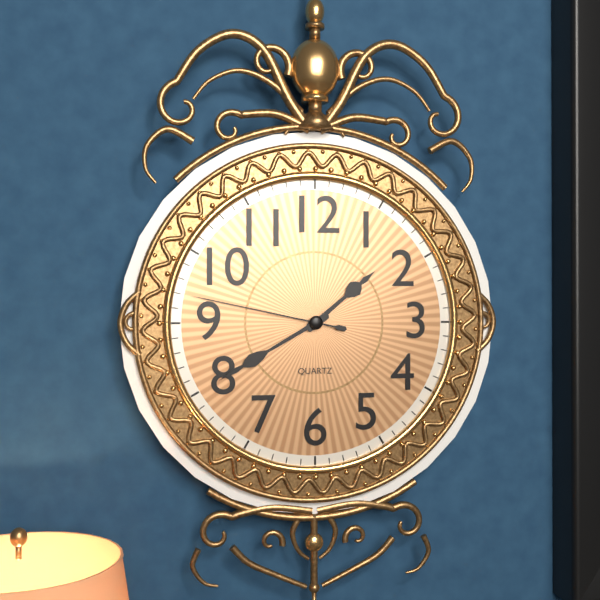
1:40:47
